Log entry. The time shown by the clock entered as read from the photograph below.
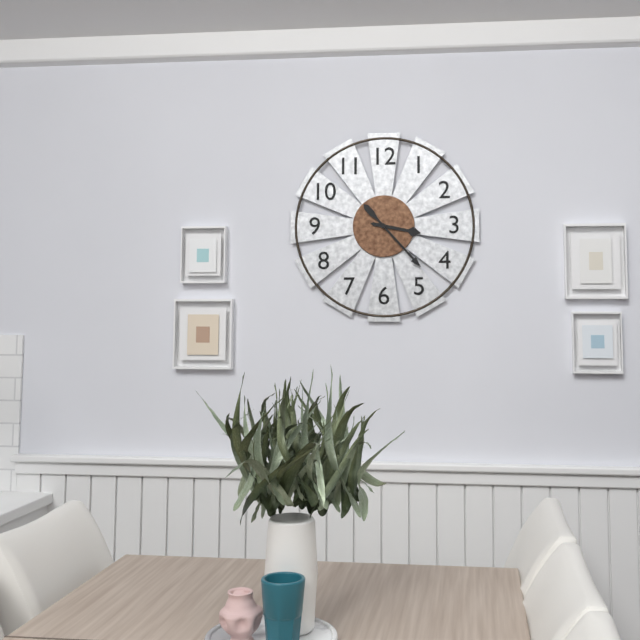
3:23
